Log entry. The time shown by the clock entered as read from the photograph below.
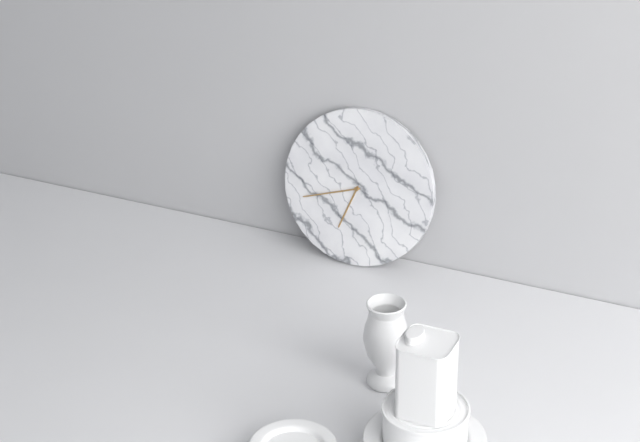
6:42
